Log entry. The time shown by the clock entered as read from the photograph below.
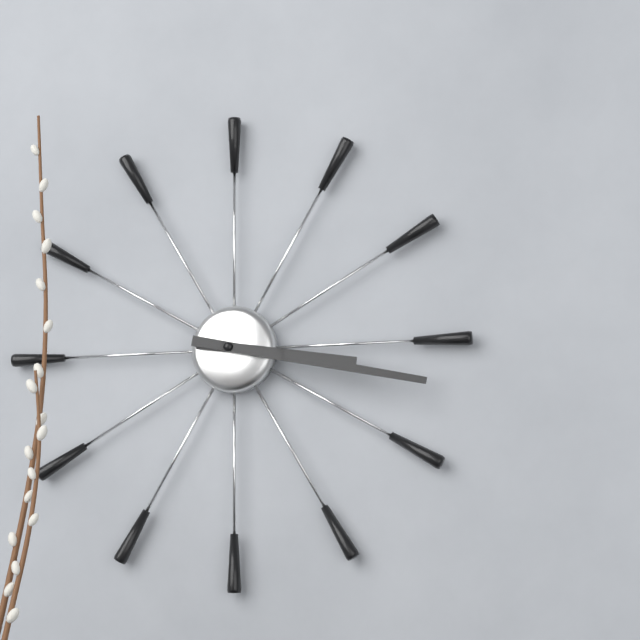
3:17
